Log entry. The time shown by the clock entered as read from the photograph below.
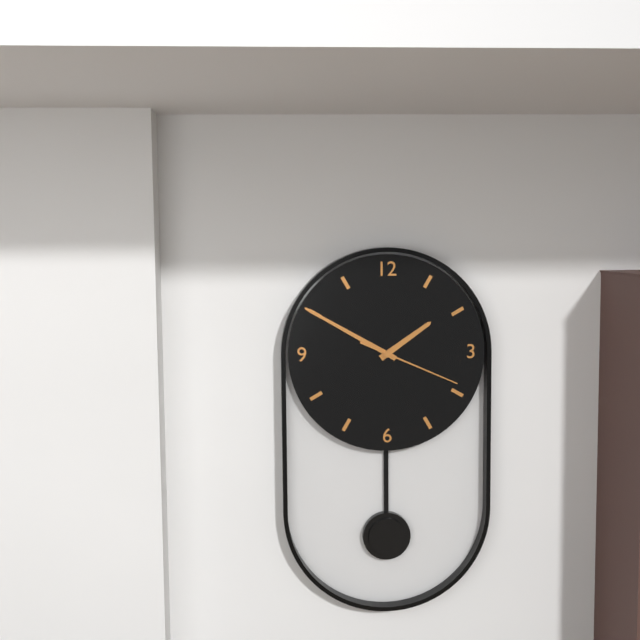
1:50:19
